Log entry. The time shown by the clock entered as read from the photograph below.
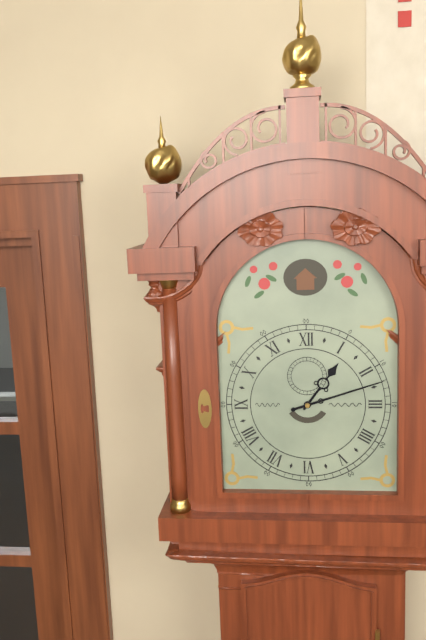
1:12
